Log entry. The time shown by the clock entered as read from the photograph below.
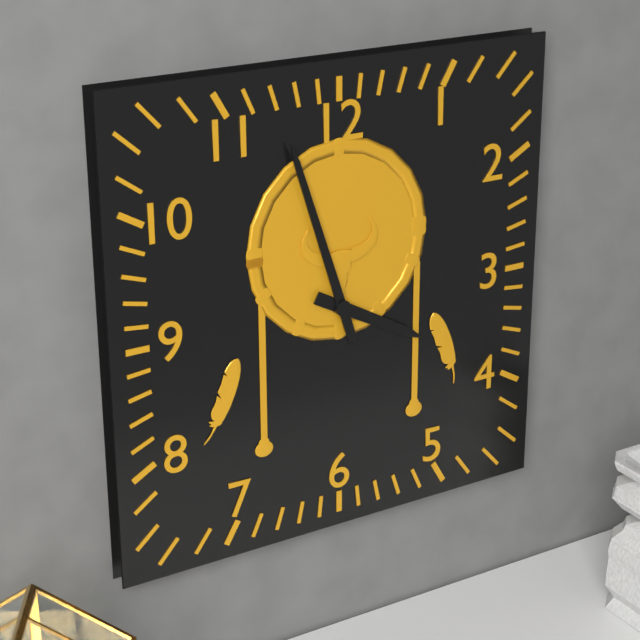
3:57
